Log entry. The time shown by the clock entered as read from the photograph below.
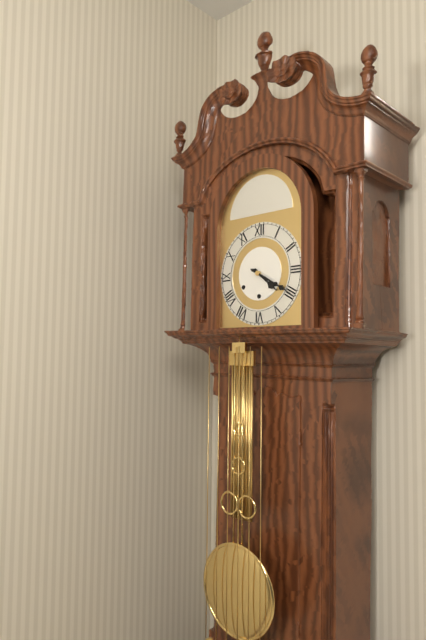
4:20
